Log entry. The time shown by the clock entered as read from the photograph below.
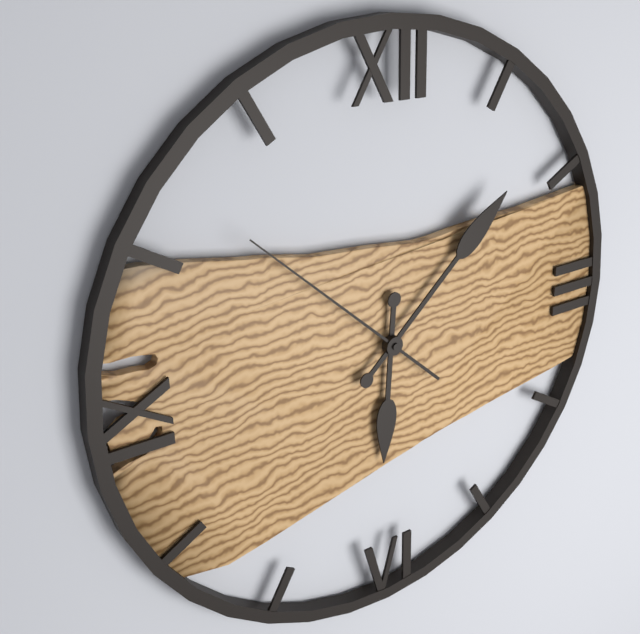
6:08:52
